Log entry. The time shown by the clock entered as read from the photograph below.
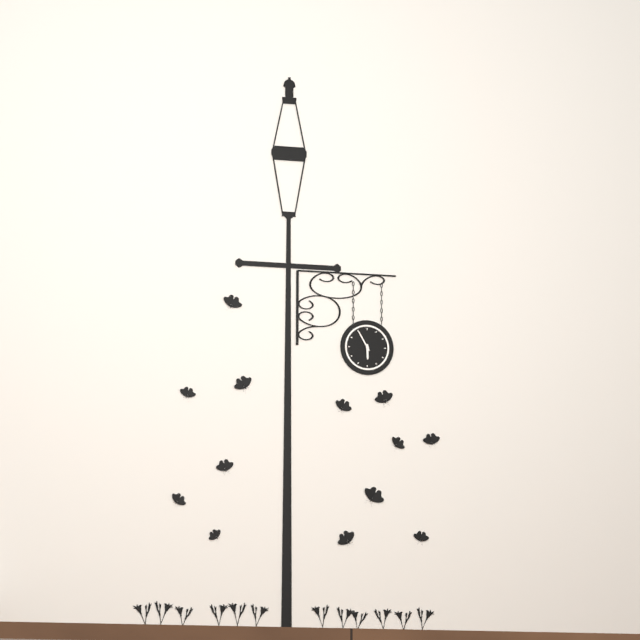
5:55
